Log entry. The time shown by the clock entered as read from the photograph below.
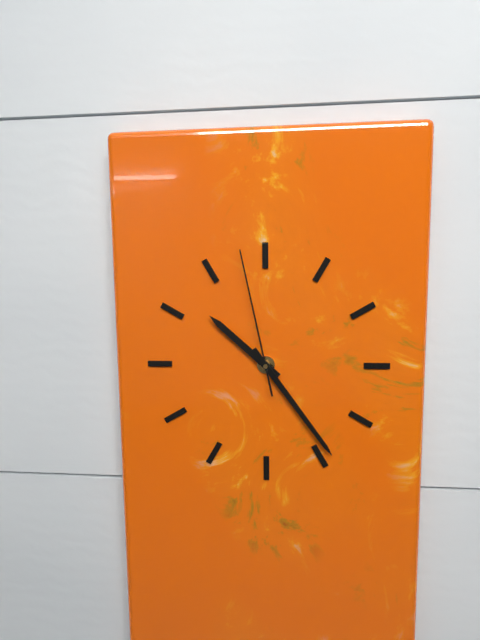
10:24:58
